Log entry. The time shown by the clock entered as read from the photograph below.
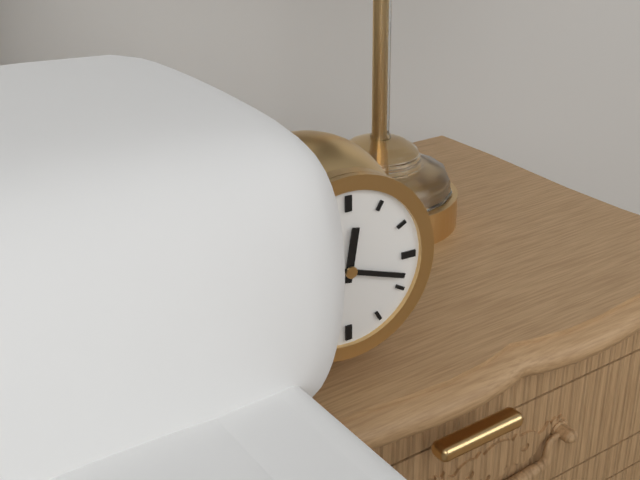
12:18
